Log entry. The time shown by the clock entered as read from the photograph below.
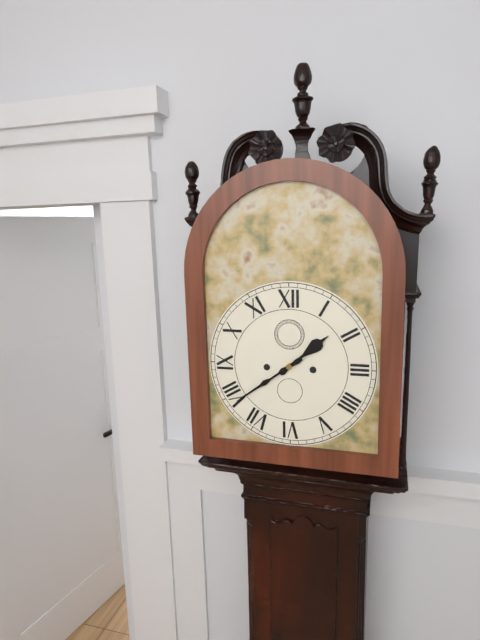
1:39
